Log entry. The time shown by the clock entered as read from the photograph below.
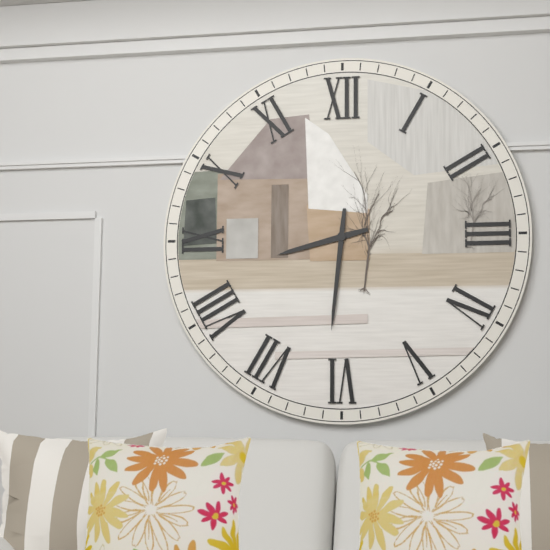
8:31
